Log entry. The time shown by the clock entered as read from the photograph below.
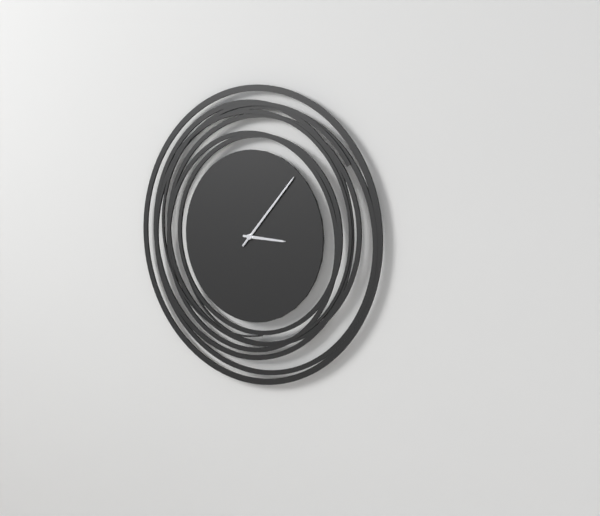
3:07
